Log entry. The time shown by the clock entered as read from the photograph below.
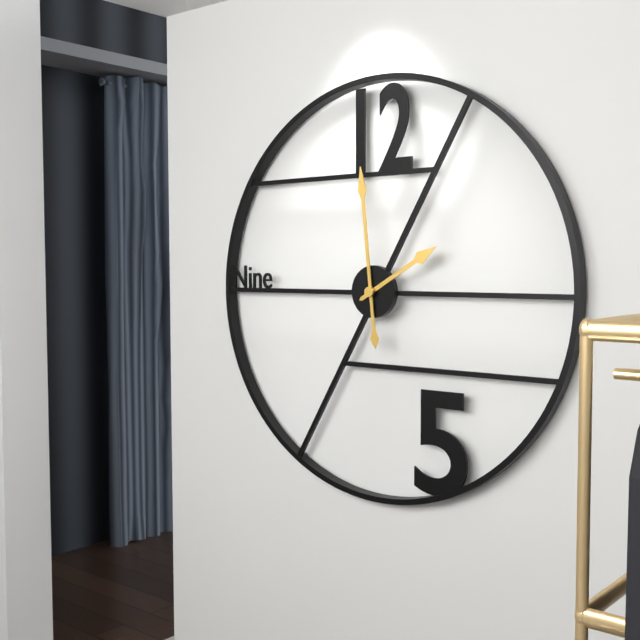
1:59
